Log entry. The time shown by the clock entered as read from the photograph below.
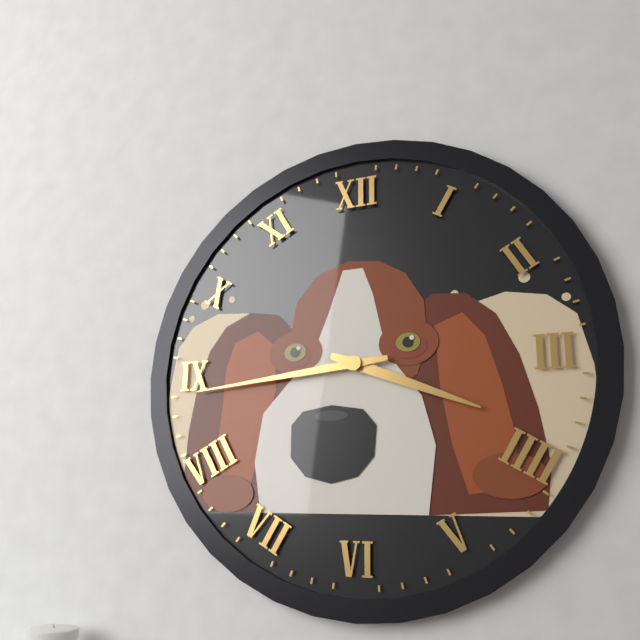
3:44
